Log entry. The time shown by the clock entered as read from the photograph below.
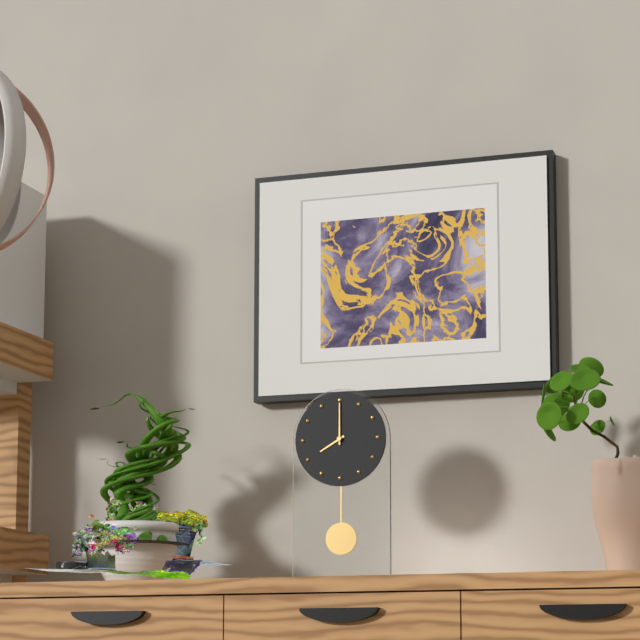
8:00
